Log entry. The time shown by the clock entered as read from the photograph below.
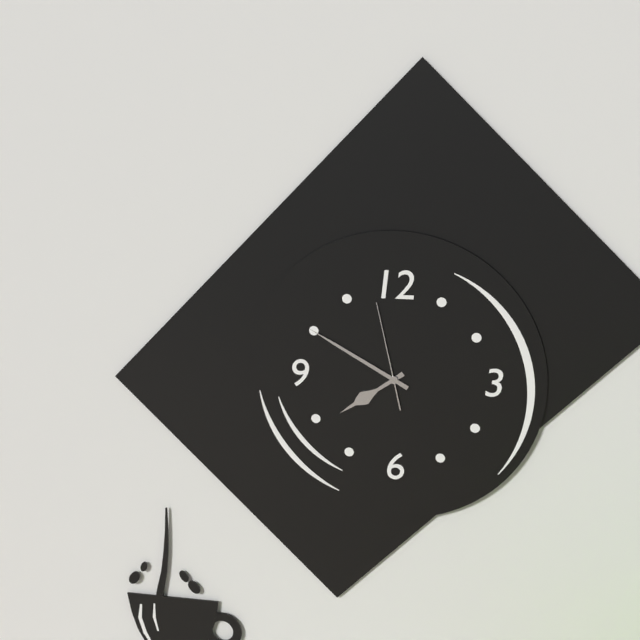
7:50:58
